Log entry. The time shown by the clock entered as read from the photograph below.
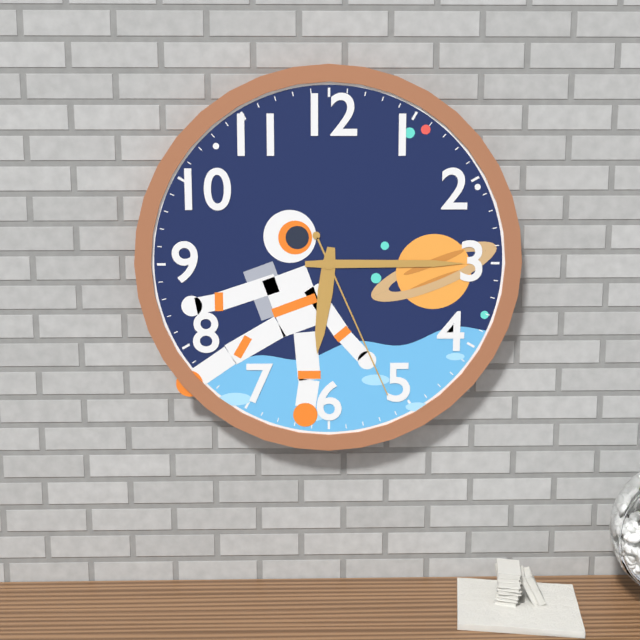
6:15:26
